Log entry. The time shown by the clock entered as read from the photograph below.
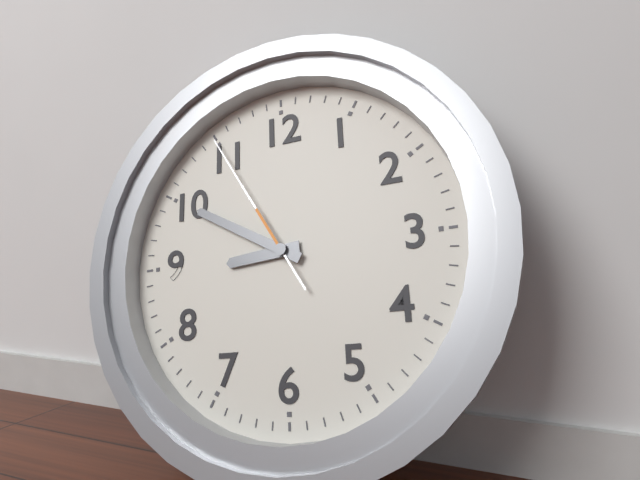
8:50:55
